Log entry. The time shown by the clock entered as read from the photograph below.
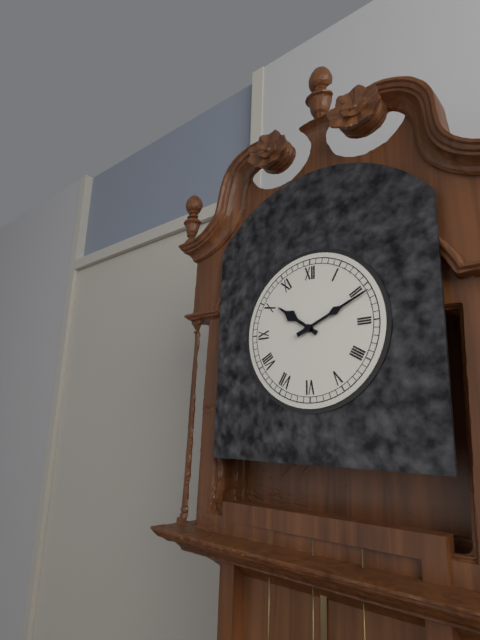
10:11
